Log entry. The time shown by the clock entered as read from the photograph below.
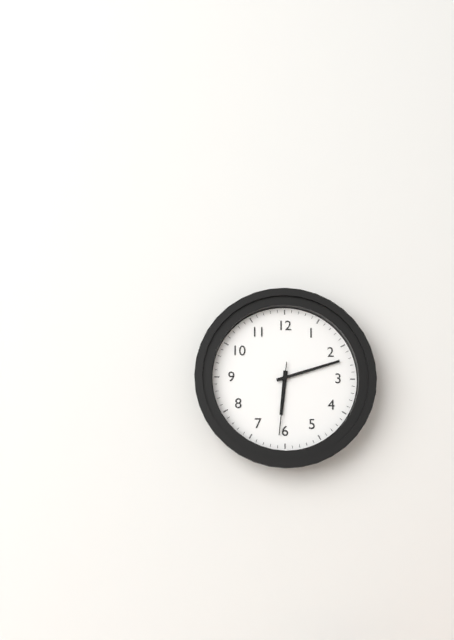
6:12:31
